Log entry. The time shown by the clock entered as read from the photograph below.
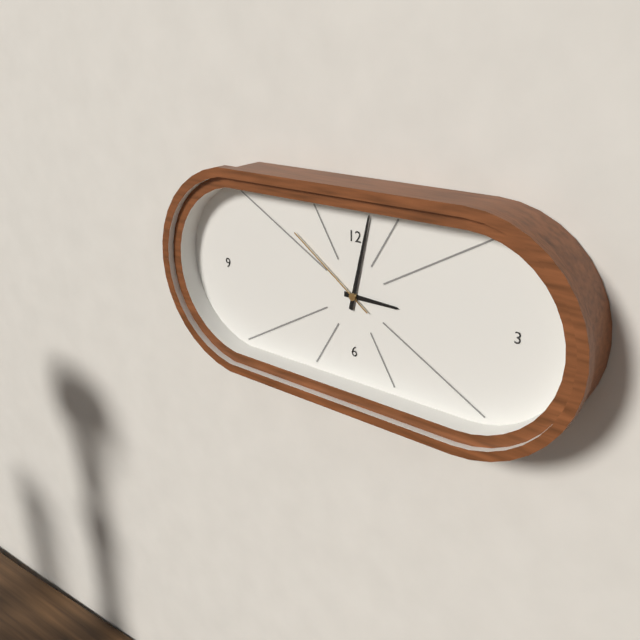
3:02:51
